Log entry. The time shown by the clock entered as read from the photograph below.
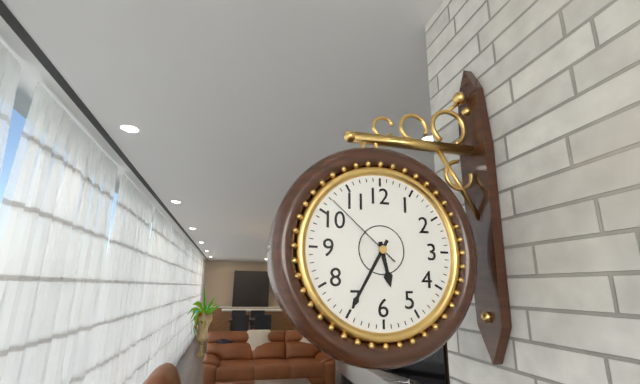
5:35:52
